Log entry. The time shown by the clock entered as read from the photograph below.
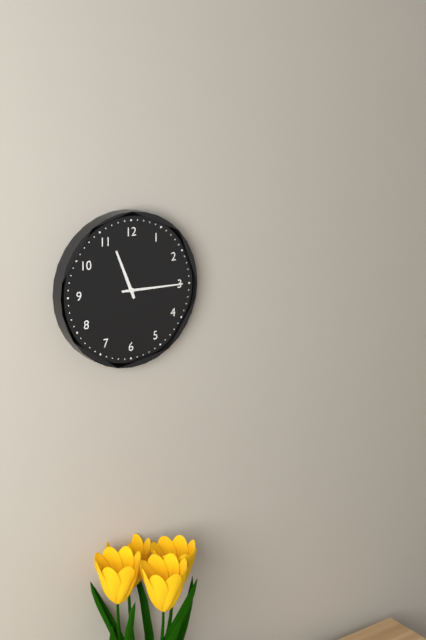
11:15
